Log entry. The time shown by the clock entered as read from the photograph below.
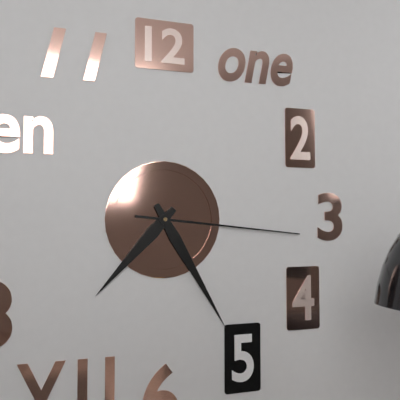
7:25:16
